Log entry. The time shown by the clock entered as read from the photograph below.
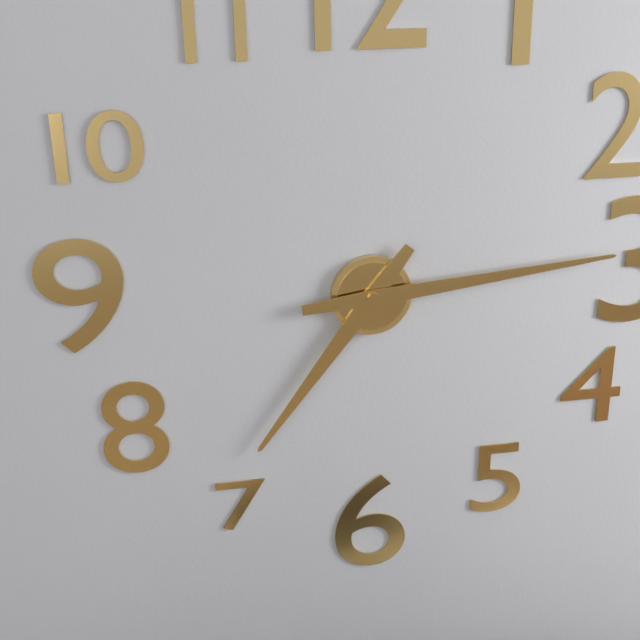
7:14
